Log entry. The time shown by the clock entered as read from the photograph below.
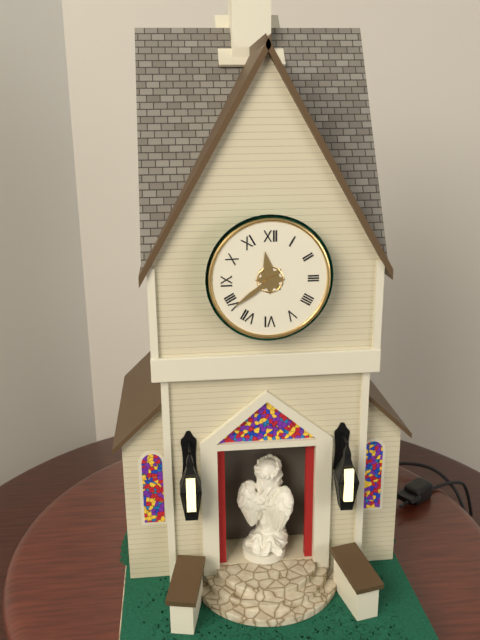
11:39
